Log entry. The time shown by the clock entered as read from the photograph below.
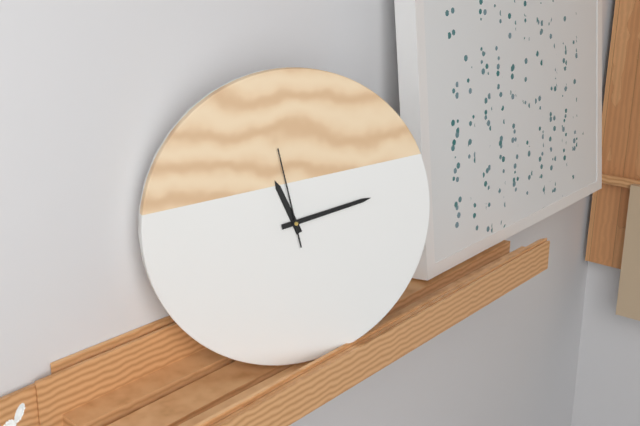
11:13:58
